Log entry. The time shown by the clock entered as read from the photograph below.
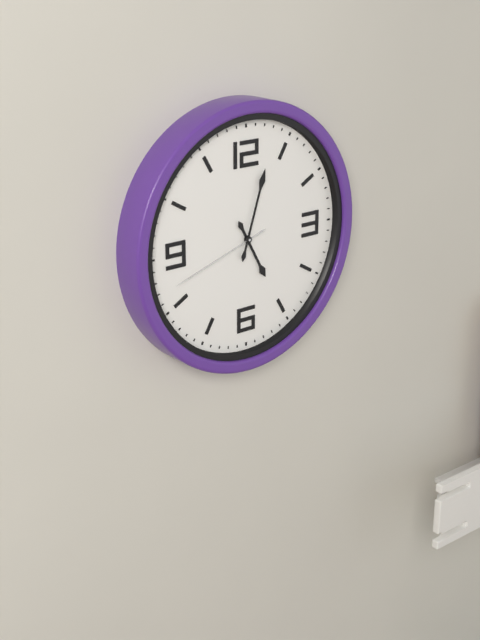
5:03:42
